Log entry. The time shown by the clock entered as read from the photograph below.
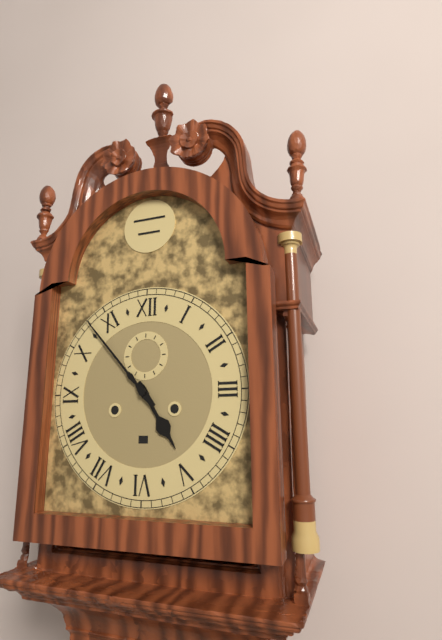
4:53
